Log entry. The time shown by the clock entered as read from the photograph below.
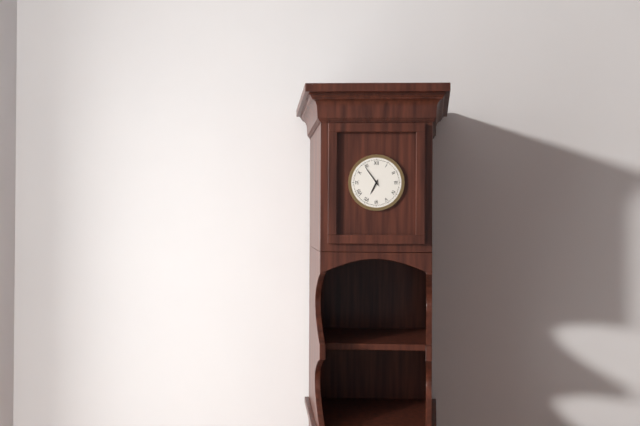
6:54
